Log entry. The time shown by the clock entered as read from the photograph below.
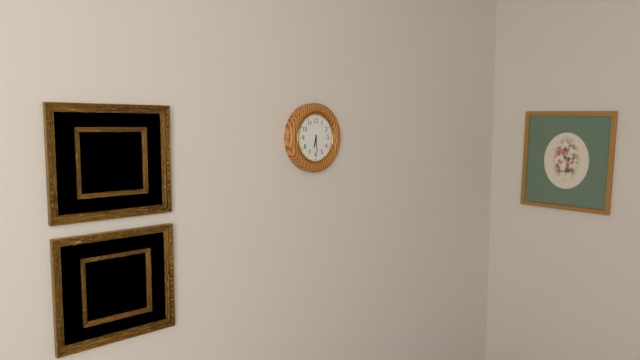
6:29
